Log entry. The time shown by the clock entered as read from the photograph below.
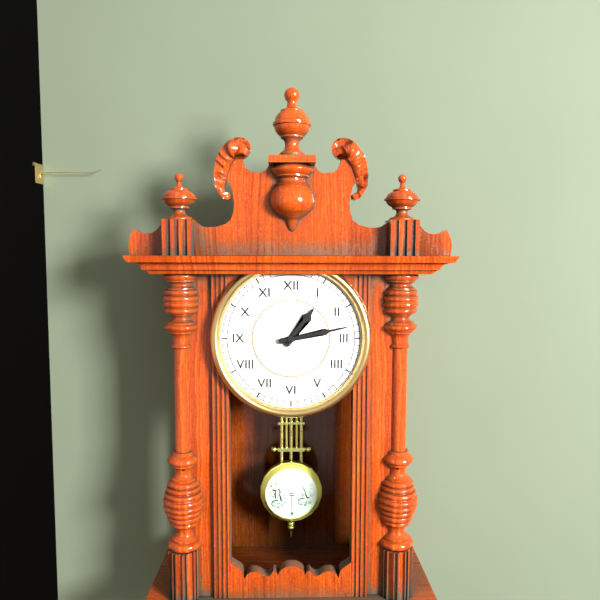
1:13
